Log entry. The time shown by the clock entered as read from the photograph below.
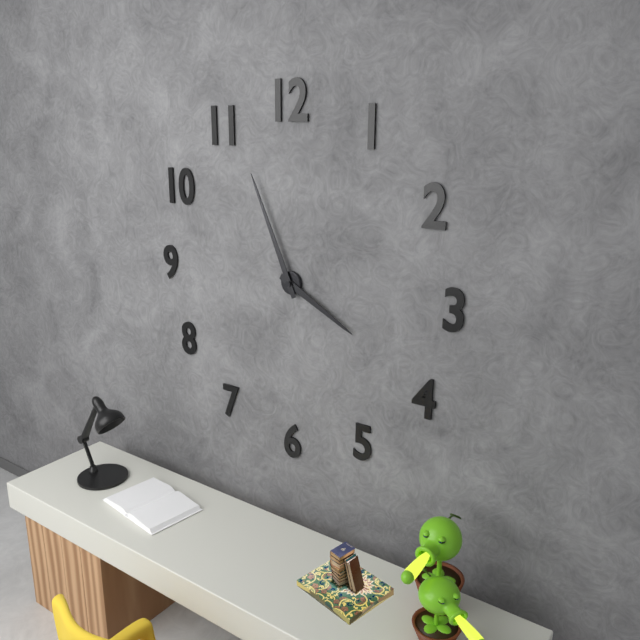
3:56
